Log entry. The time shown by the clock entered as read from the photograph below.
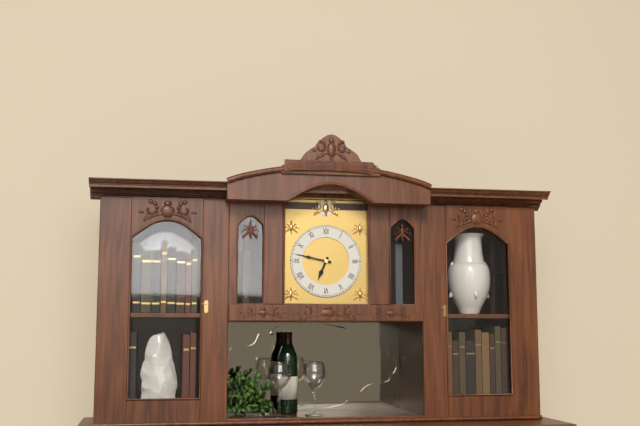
6:47
